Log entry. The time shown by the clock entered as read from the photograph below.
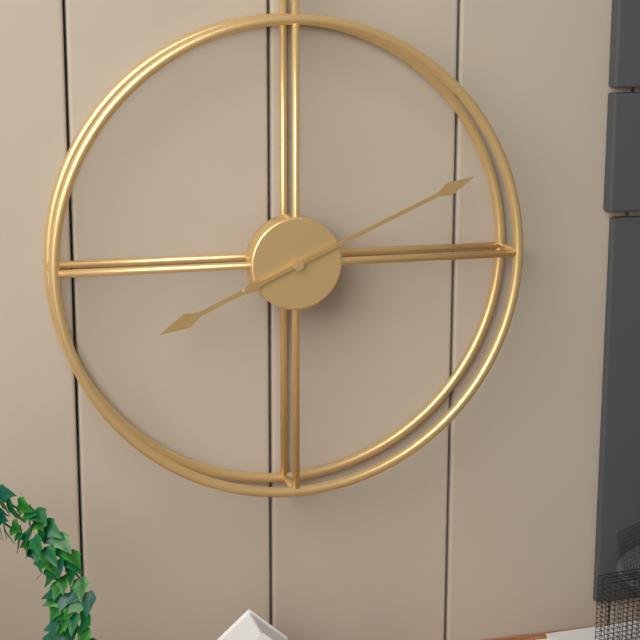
8:11
